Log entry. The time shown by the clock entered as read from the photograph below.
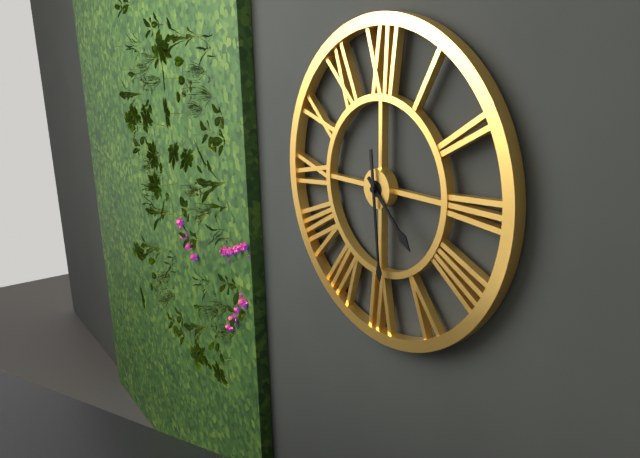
4:29
